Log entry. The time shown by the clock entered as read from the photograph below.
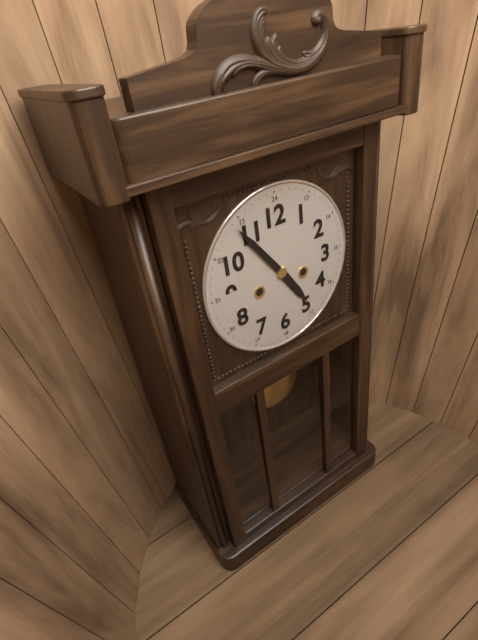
4:54
